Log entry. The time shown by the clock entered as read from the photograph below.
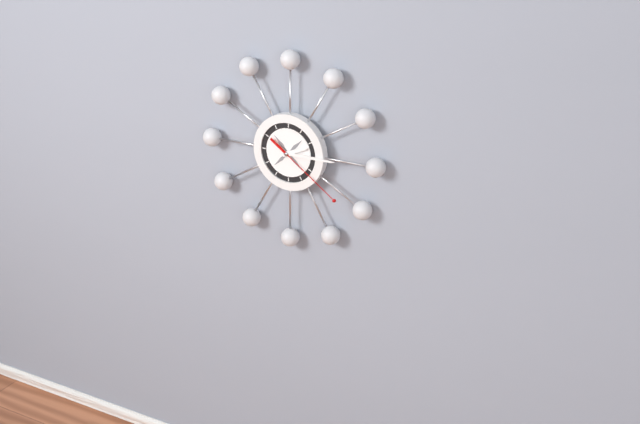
2:15:21
